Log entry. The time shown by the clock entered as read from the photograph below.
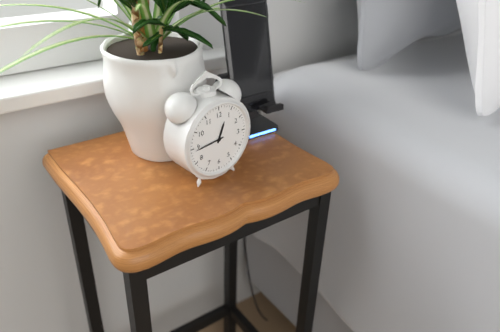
12:44
